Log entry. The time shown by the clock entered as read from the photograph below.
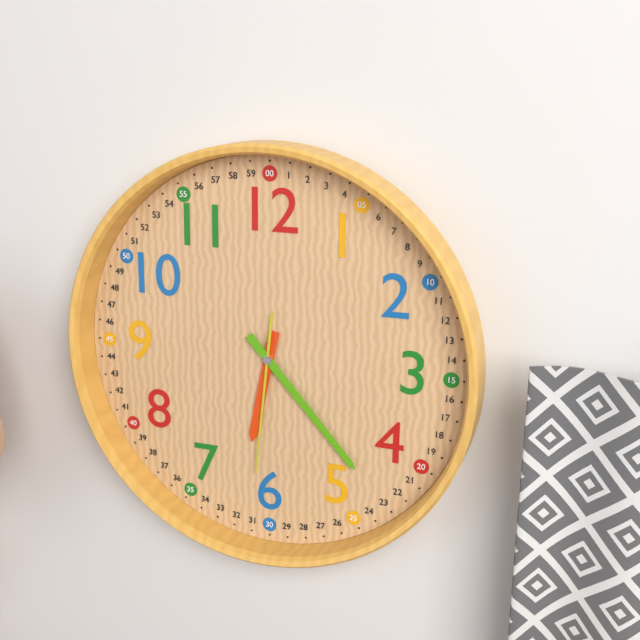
6:23:31
